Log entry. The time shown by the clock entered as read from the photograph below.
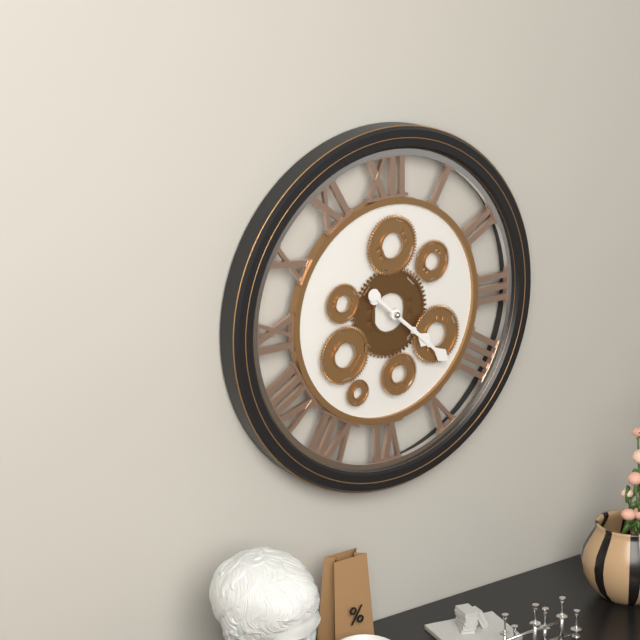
4:22
